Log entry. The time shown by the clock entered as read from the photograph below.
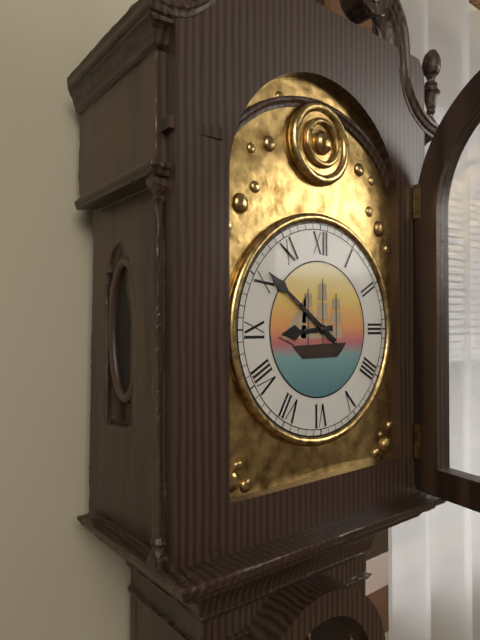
8:51
